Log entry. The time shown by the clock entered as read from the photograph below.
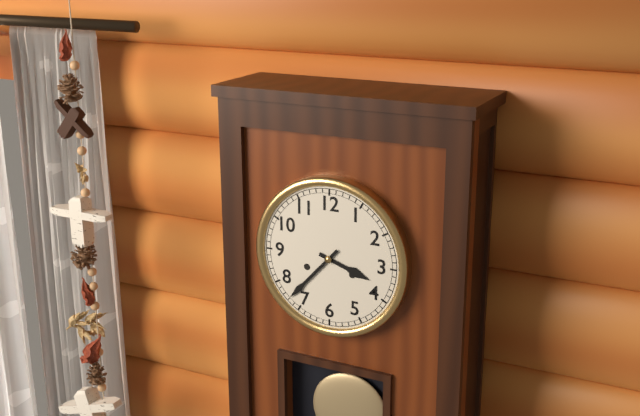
3:37
